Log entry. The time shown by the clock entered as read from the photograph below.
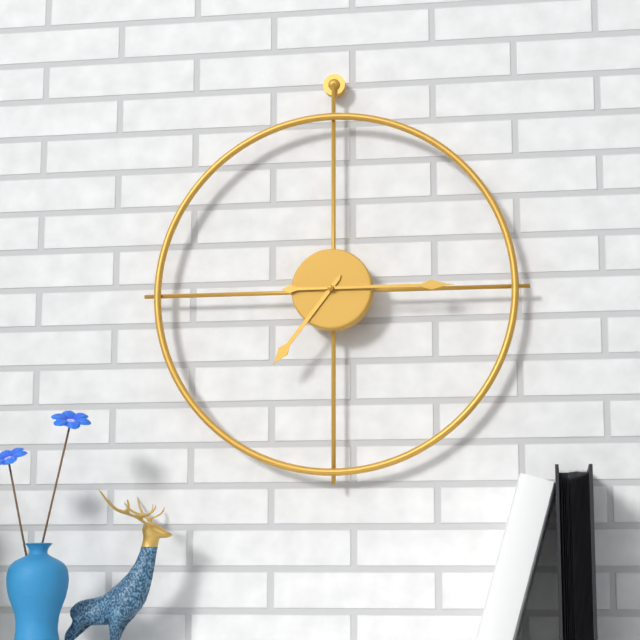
7:15
